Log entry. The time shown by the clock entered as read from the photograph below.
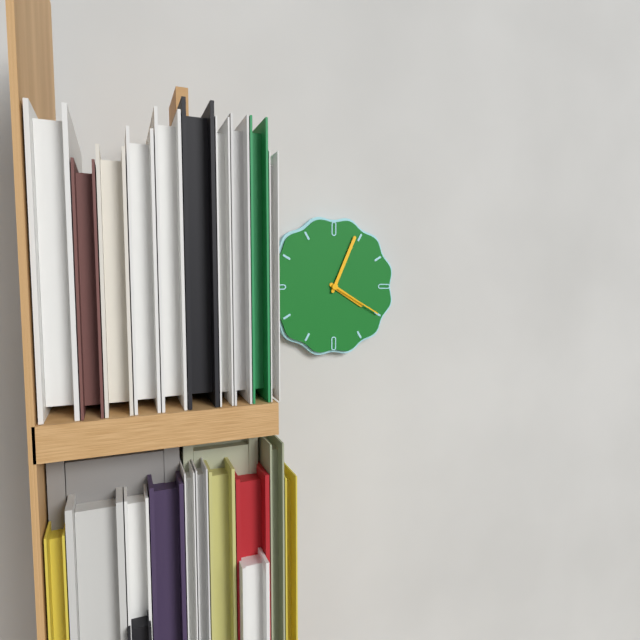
4:04:20
